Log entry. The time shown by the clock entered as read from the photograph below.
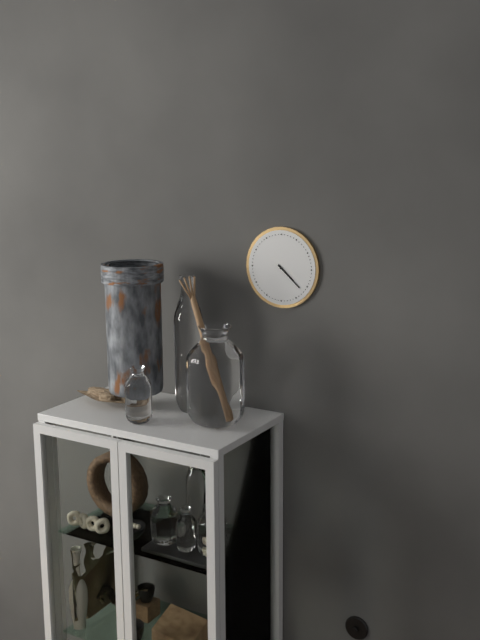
4:22
